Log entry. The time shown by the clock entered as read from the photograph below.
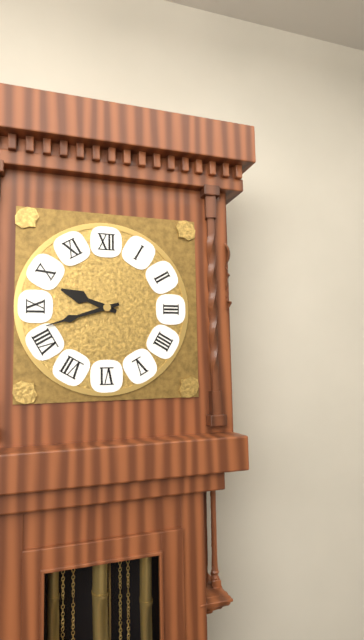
9:42
